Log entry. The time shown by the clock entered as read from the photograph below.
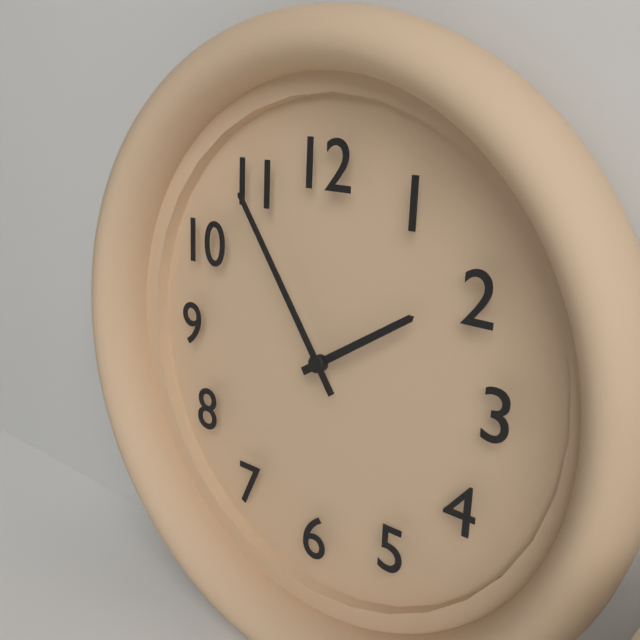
1:54
